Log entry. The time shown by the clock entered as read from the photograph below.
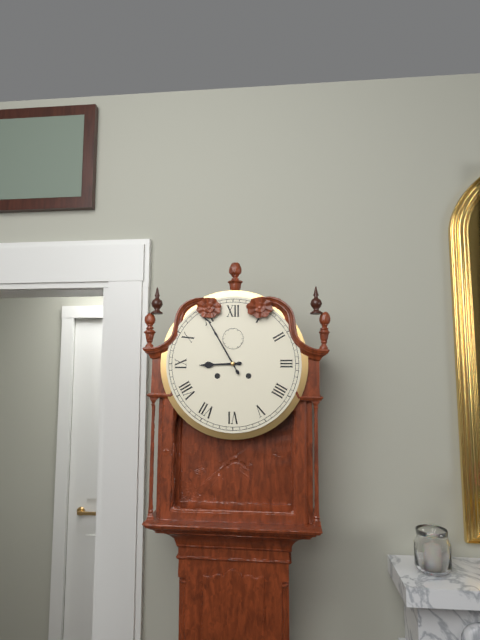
8:55
